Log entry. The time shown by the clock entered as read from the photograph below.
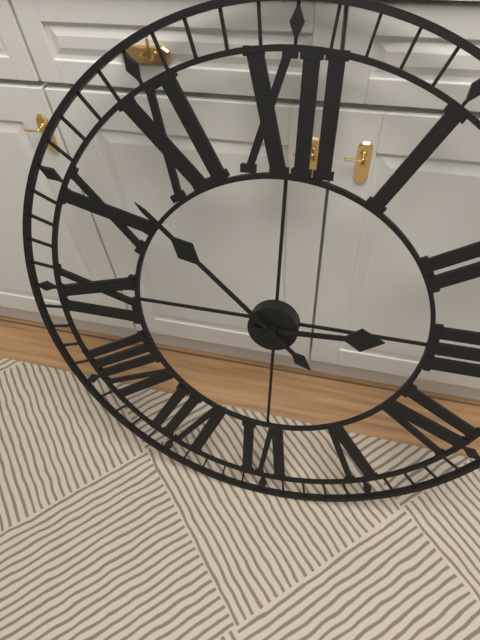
2:52
